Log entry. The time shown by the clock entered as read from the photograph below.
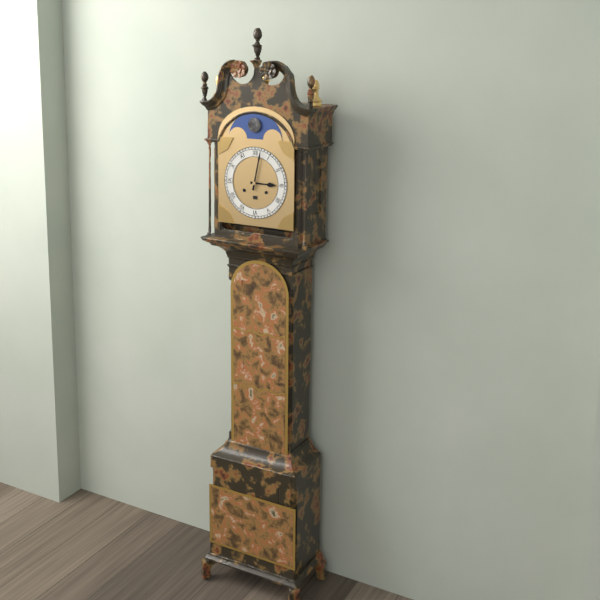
3:02
